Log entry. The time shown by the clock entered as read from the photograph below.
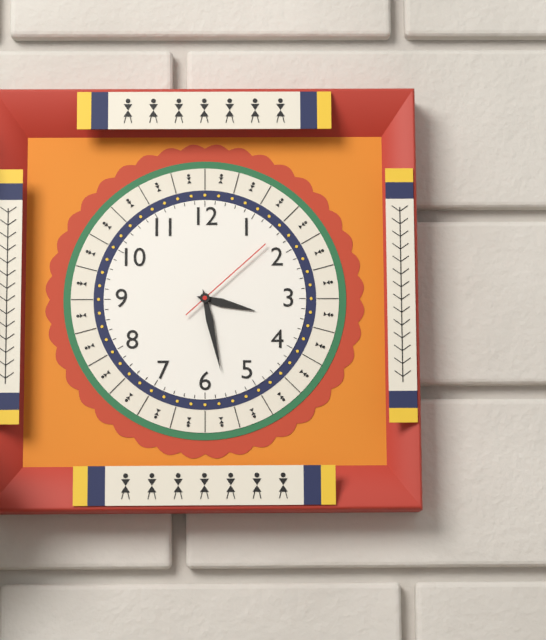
3:28:08
